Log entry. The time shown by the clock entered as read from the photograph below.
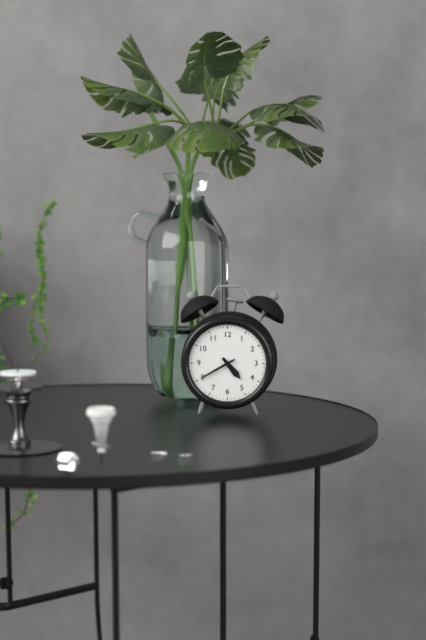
4:40
